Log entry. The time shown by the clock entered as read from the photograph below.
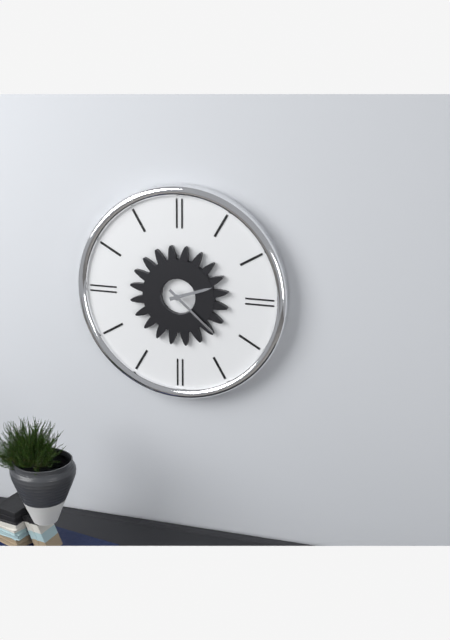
2:22
